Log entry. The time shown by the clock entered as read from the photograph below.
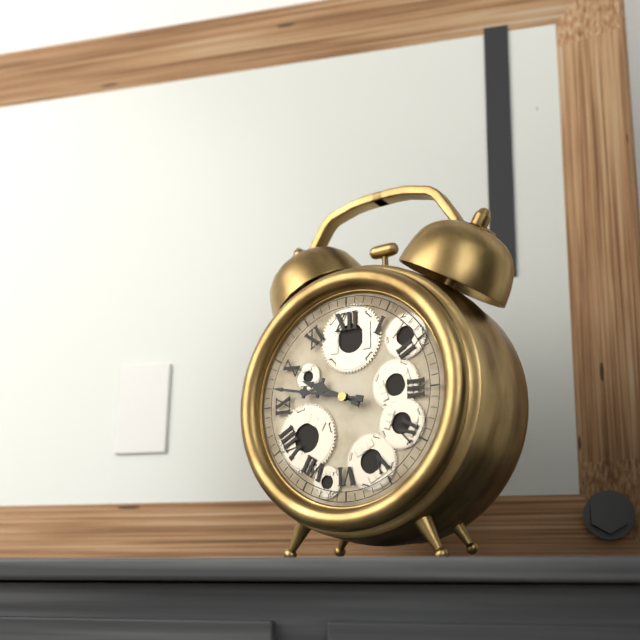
9:47
